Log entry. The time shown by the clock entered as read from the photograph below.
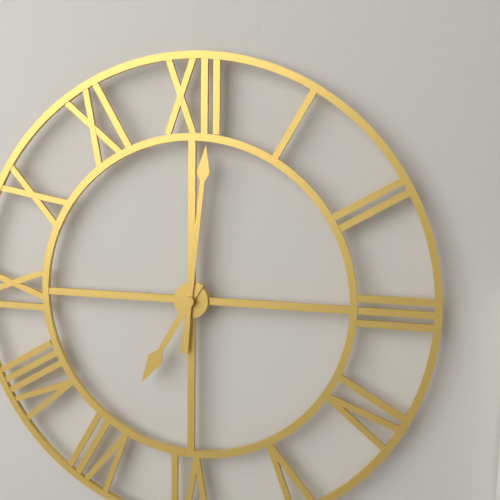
7:01
